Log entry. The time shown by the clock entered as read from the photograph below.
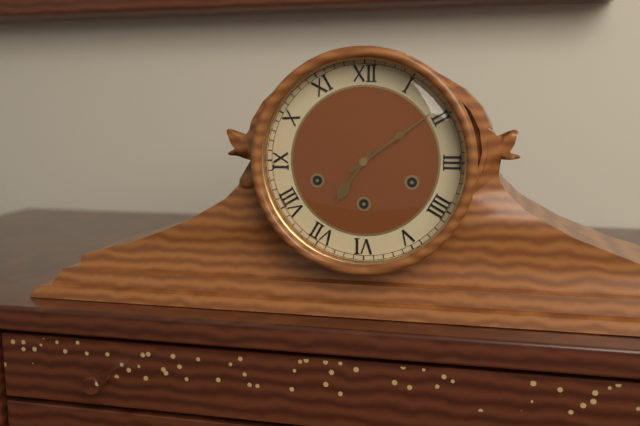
7:09
